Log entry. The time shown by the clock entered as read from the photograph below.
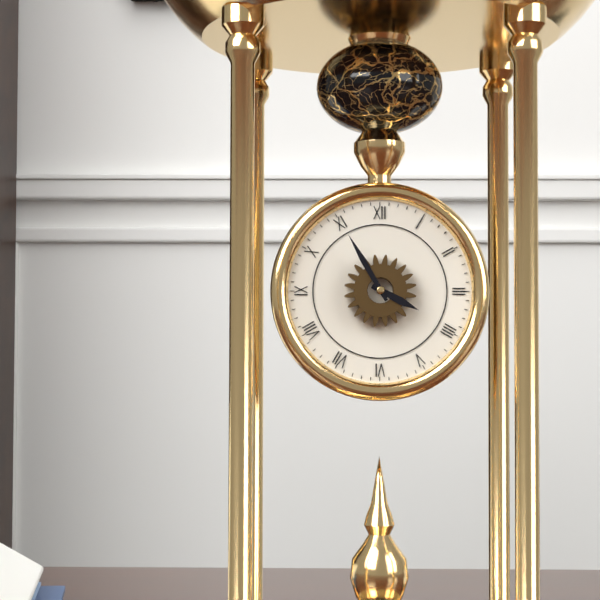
3:55
